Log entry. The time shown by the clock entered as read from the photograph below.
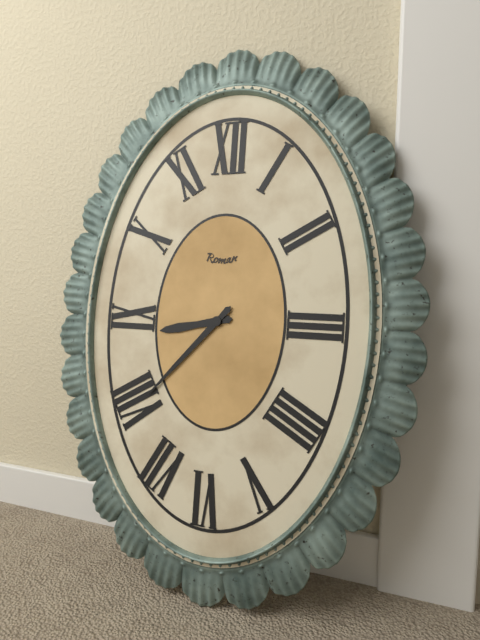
8:37
